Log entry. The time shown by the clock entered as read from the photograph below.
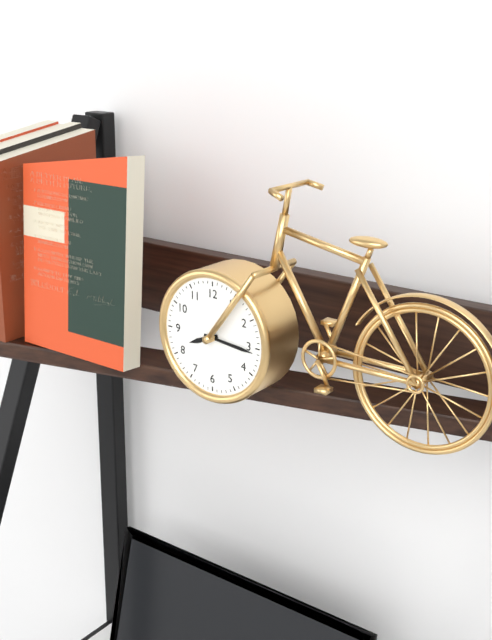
8:16
